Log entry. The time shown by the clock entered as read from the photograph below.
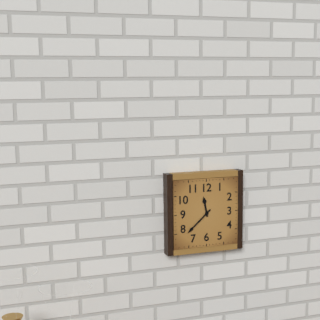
11:38
